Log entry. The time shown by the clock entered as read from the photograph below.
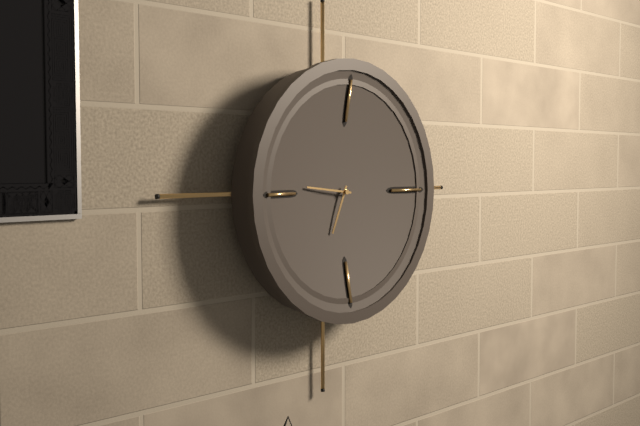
6:46
